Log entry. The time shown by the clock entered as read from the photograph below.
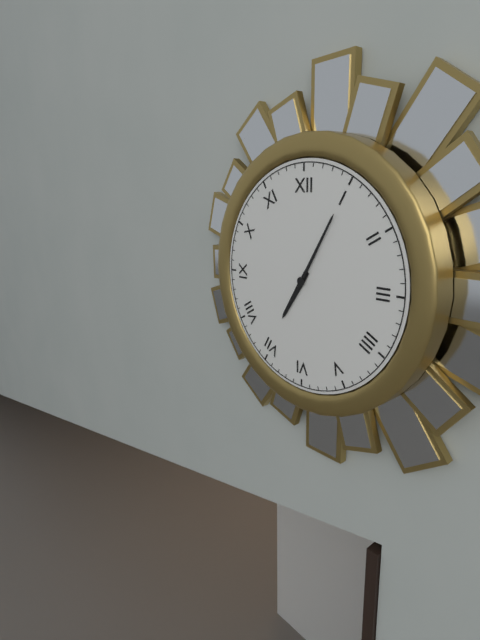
7:05
